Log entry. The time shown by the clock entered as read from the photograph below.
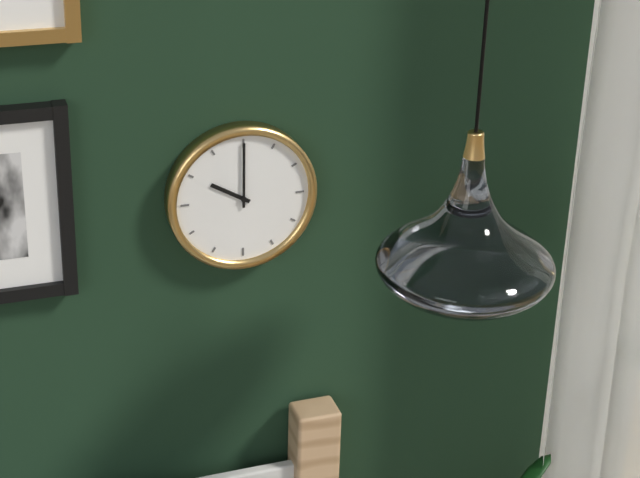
10:00
